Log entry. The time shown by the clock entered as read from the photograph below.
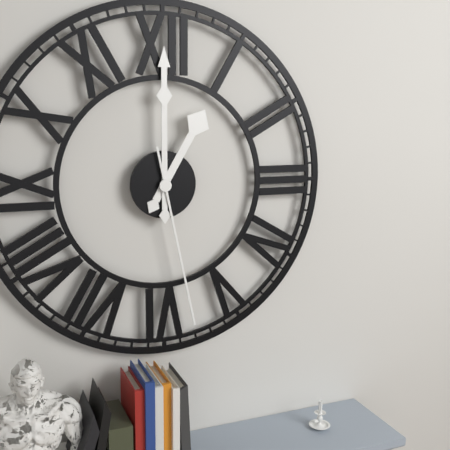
1:00:28
